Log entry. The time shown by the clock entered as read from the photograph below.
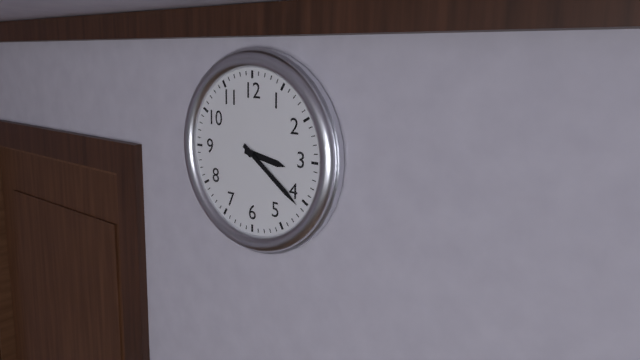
3:21
